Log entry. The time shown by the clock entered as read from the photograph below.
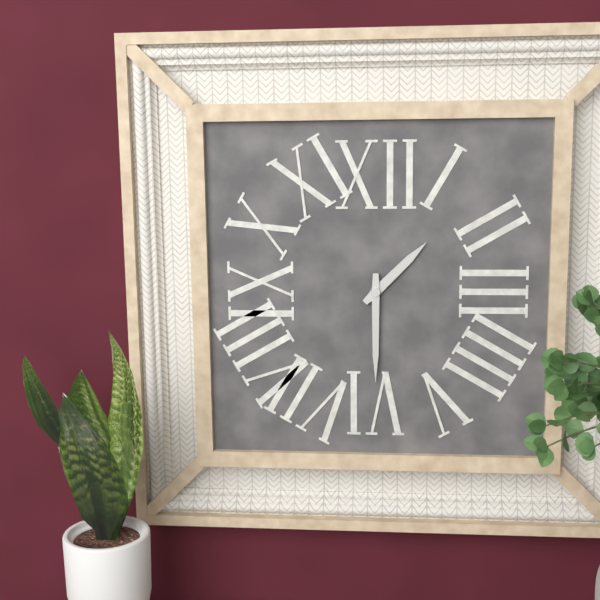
1:30
